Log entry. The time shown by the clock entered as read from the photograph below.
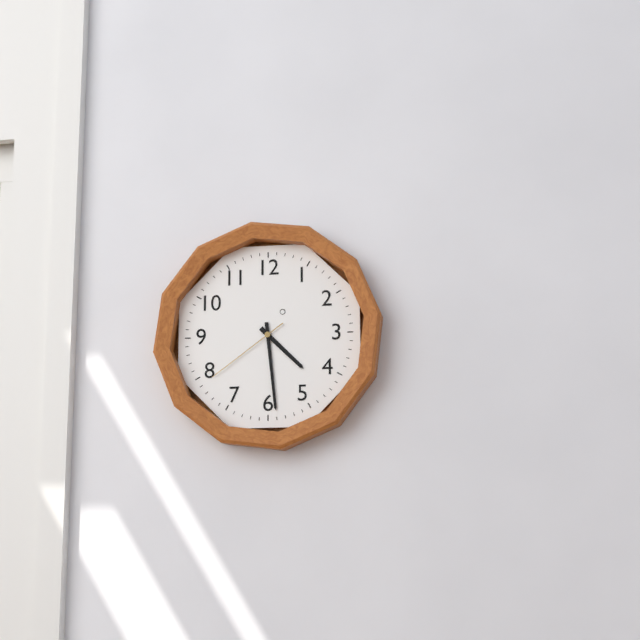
4:29:39
